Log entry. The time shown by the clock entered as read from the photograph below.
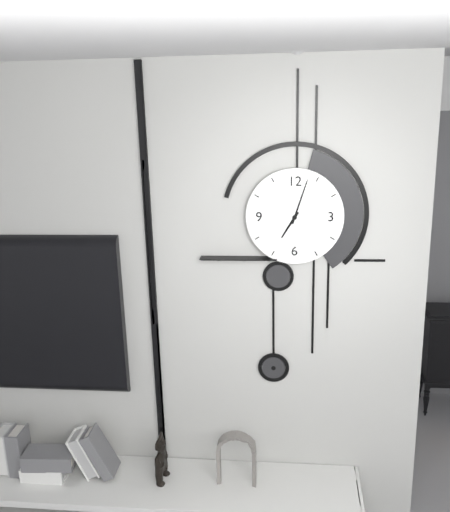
7:03
